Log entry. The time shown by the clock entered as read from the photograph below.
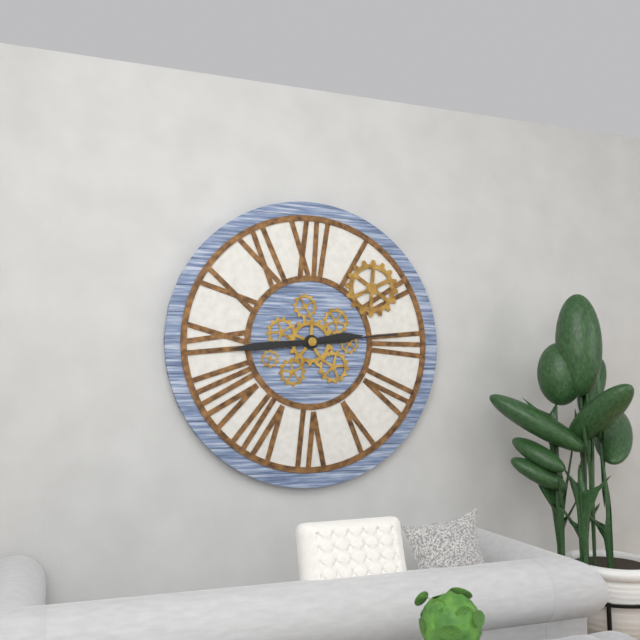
2:44:14
